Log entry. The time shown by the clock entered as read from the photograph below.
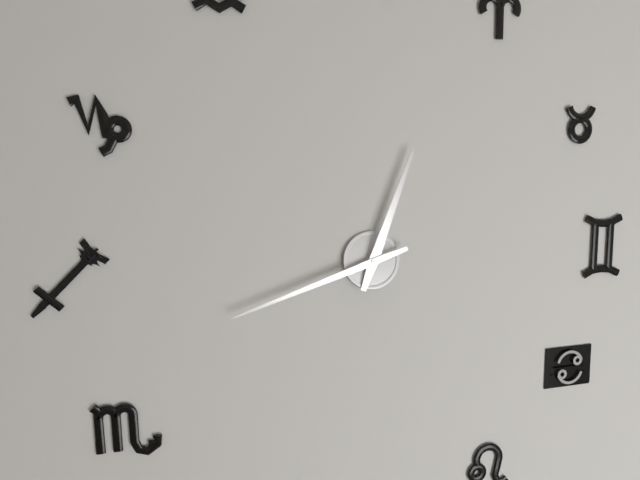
12:42
